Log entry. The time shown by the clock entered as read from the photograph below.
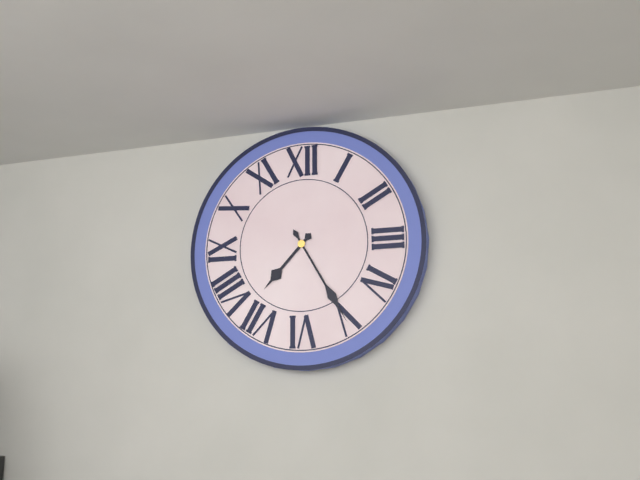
7:25
